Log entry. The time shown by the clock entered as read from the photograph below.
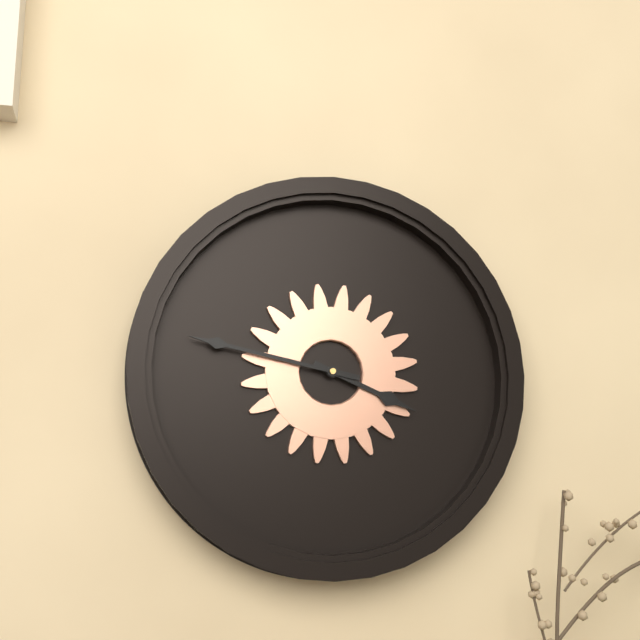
3:47
